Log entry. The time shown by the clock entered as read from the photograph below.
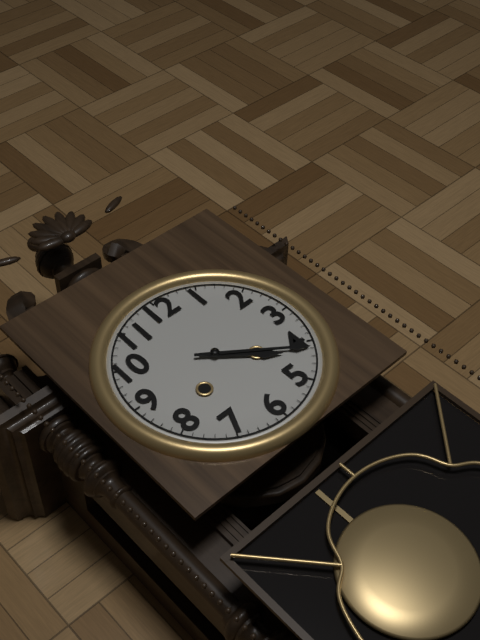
4:21
